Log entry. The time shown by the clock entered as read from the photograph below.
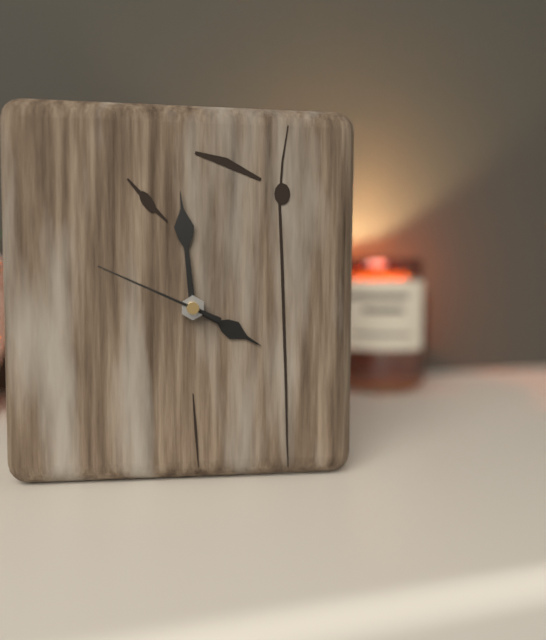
3:59:49
